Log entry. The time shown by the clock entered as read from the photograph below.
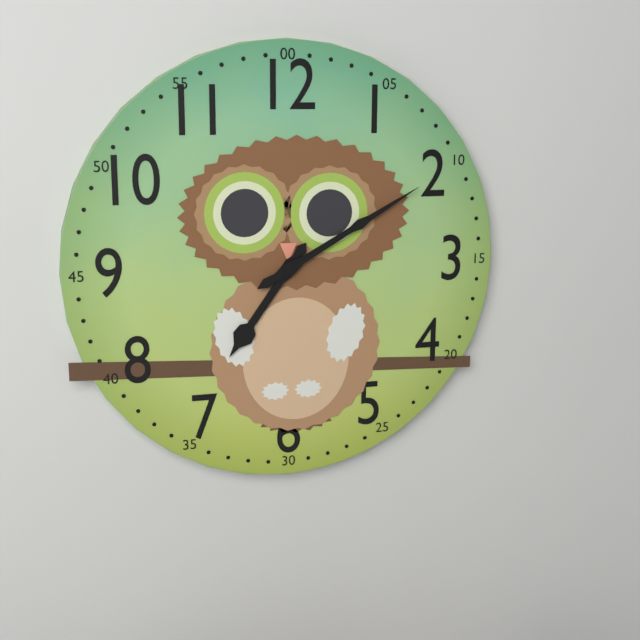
7:10
